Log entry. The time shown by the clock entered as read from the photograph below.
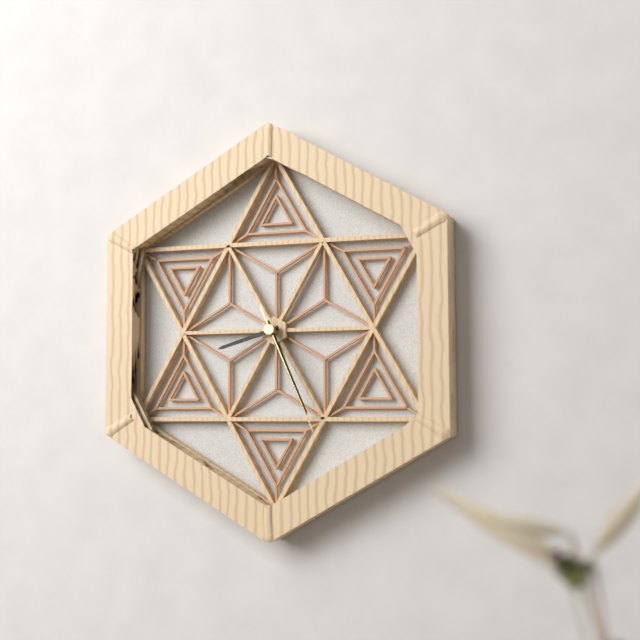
8:26:26
